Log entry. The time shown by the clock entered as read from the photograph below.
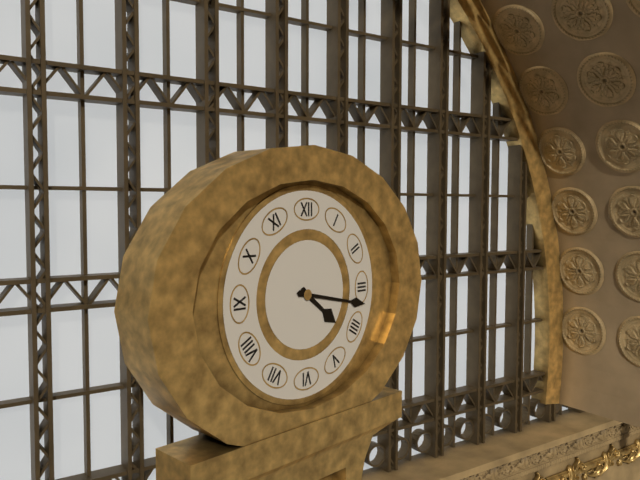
4:17
